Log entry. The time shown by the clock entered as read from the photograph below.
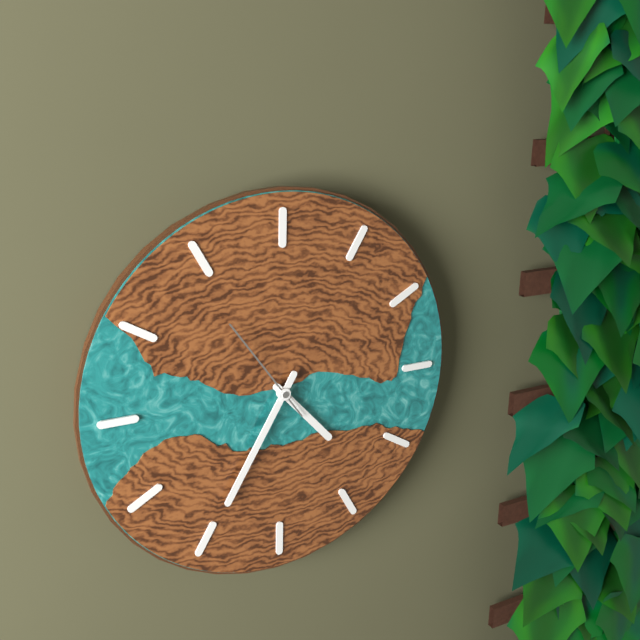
4:35:54
